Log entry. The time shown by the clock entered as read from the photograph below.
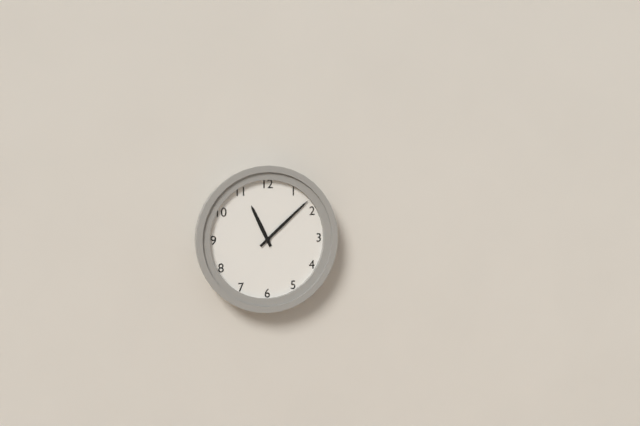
11:08
